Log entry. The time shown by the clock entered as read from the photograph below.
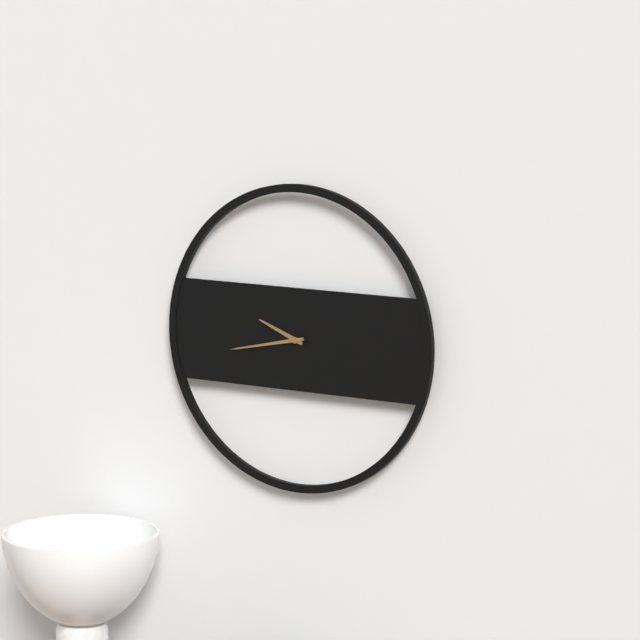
9:43
